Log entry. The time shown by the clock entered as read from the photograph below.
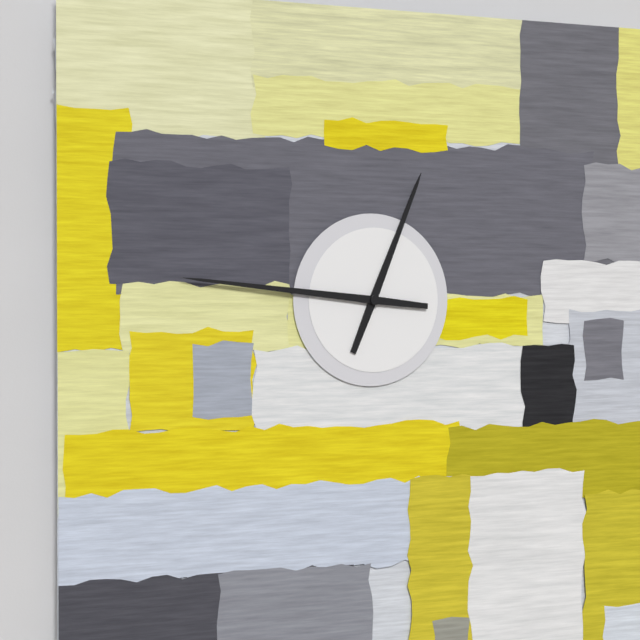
12:46
